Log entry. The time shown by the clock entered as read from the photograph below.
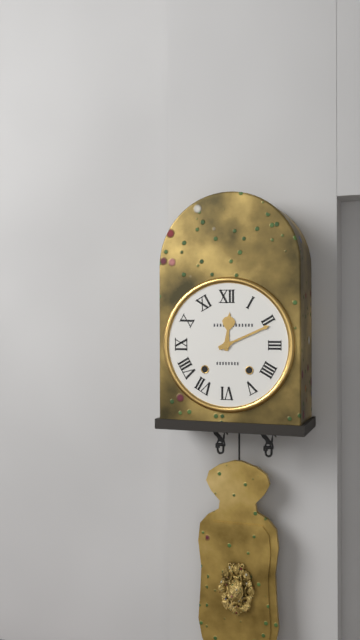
12:11
